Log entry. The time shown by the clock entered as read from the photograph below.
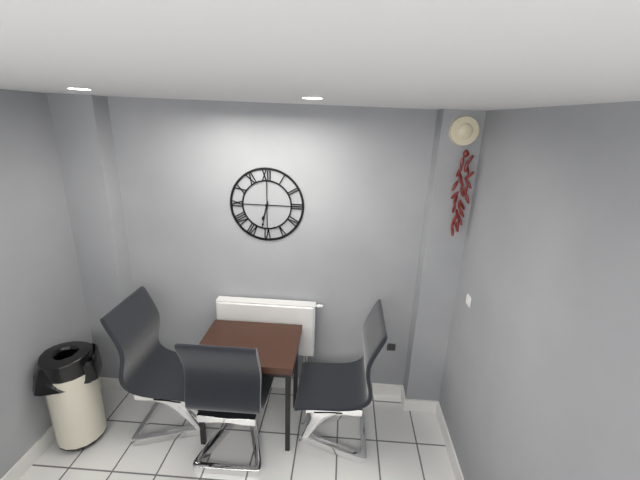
6:32
